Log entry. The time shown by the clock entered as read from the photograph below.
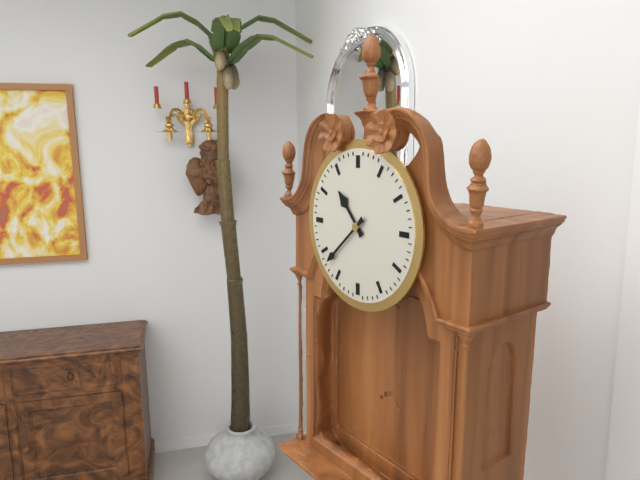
10:38
